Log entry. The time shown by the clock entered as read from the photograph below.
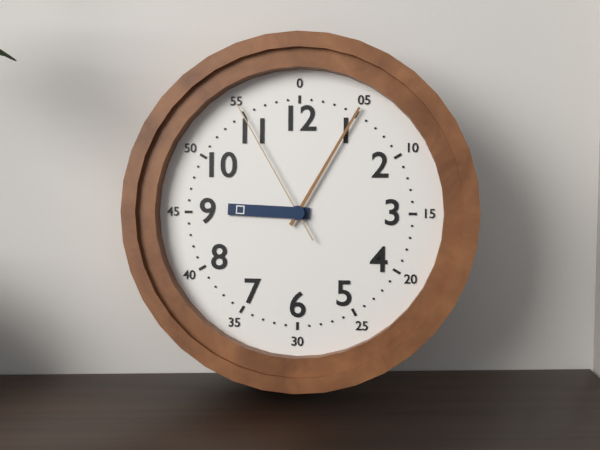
9:05:55
